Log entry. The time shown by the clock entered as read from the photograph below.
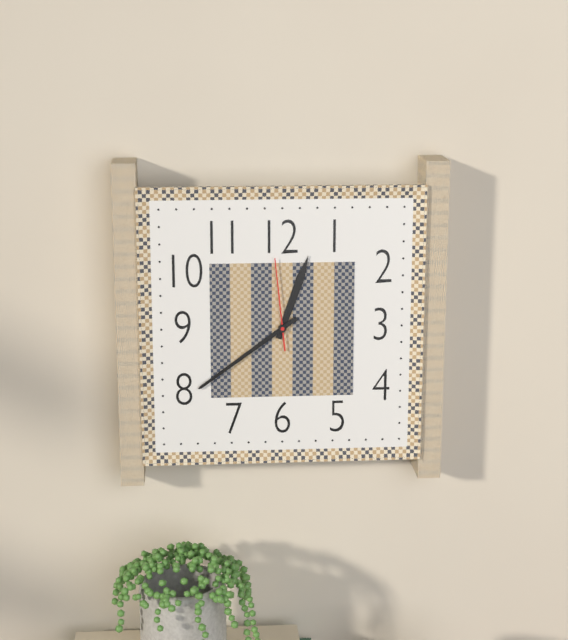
12:39:59
